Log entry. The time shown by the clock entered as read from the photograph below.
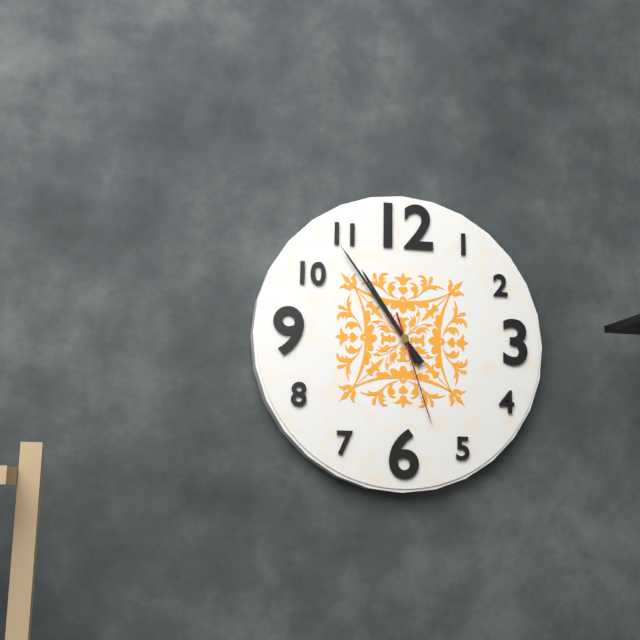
10:54:27
